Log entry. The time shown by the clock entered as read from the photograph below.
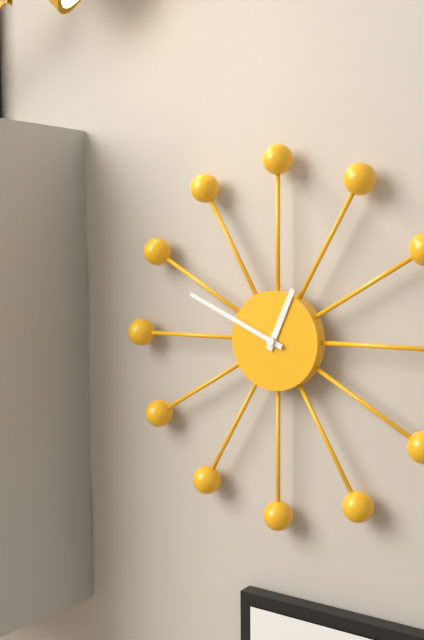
12:49
